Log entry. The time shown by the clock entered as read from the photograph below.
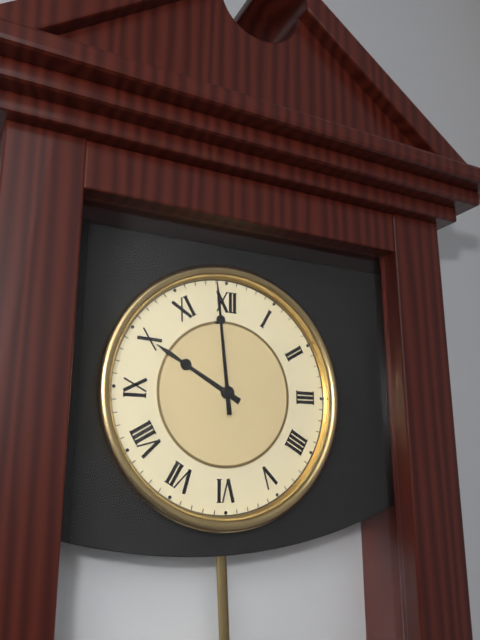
9:59
